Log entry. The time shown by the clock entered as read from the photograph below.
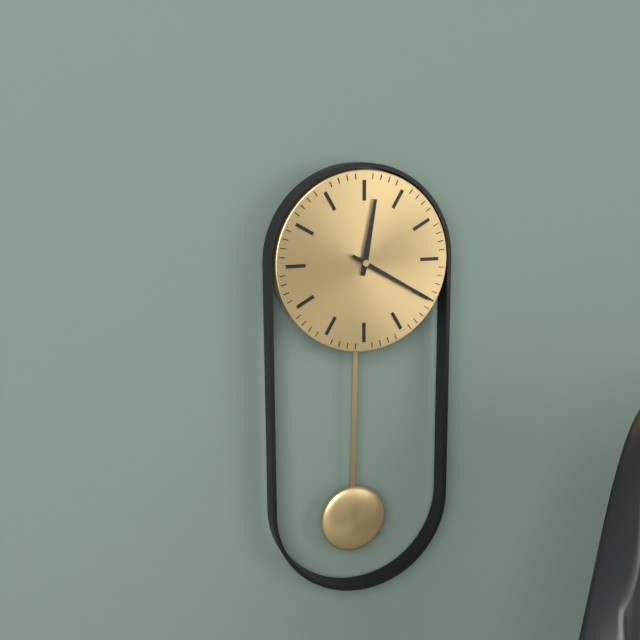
12:20
